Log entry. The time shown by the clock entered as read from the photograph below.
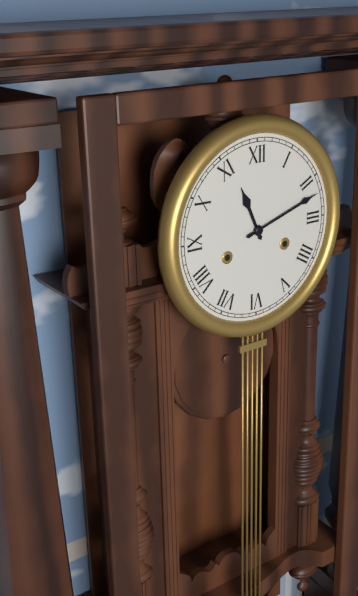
11:12
